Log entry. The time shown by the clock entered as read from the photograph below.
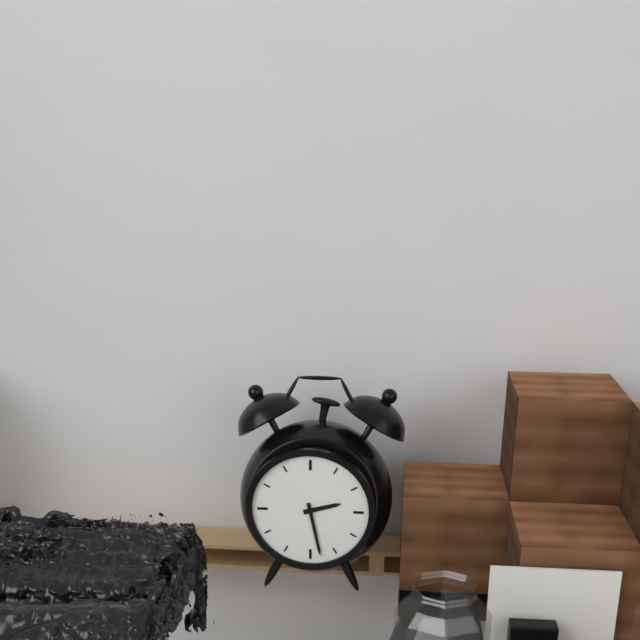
2:28
